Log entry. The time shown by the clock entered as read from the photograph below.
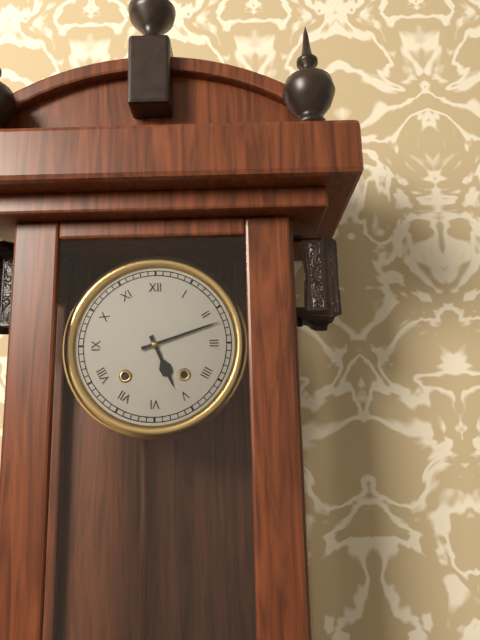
5:12
